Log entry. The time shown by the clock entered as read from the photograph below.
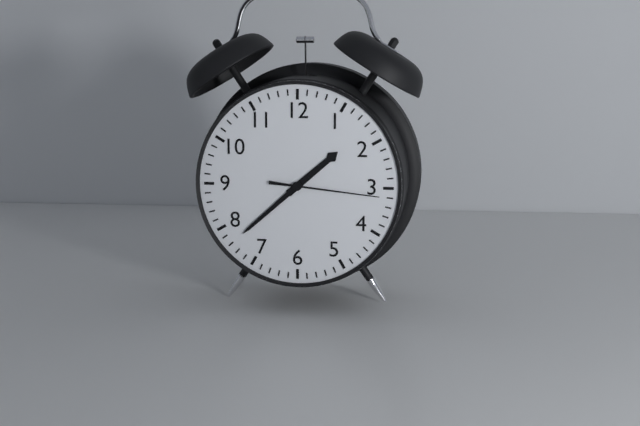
1:38:16
